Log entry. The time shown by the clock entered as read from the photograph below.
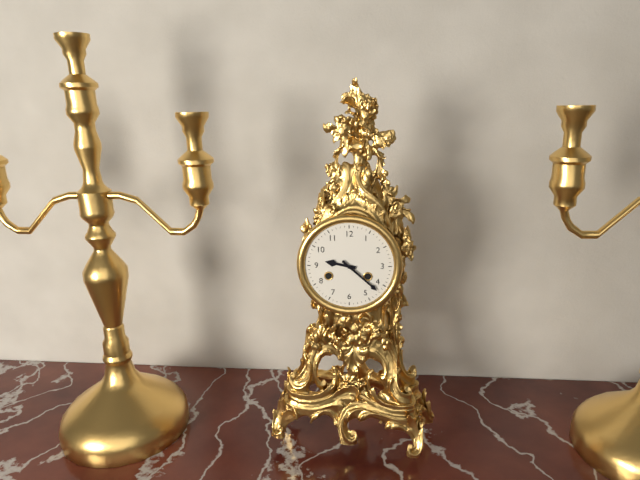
9:22
